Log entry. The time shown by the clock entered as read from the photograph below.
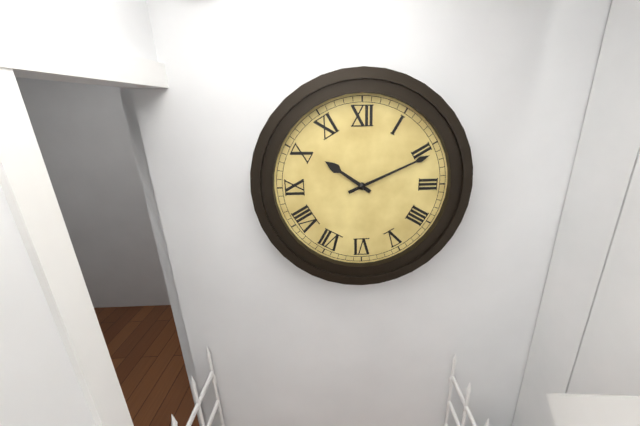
10:11
